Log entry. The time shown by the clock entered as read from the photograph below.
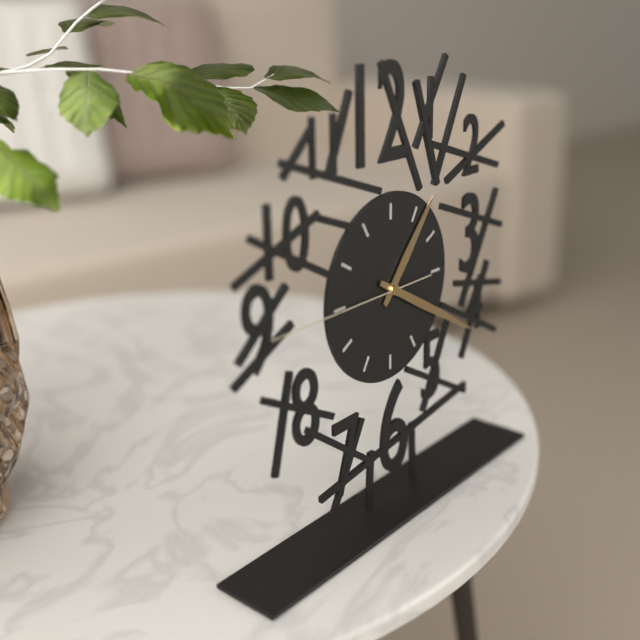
1:20:45
